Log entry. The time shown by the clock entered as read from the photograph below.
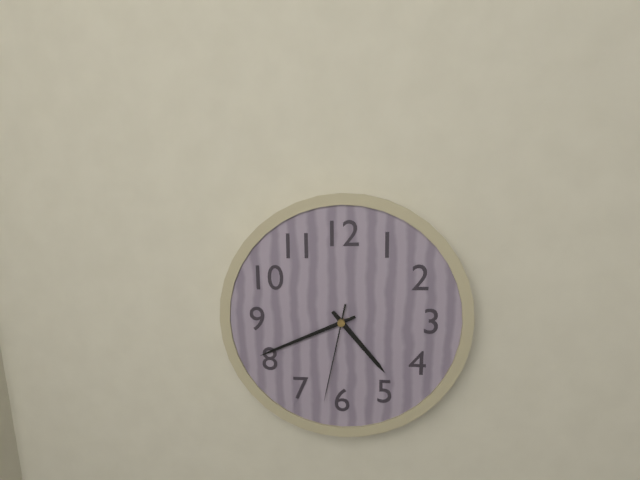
4:41:32
